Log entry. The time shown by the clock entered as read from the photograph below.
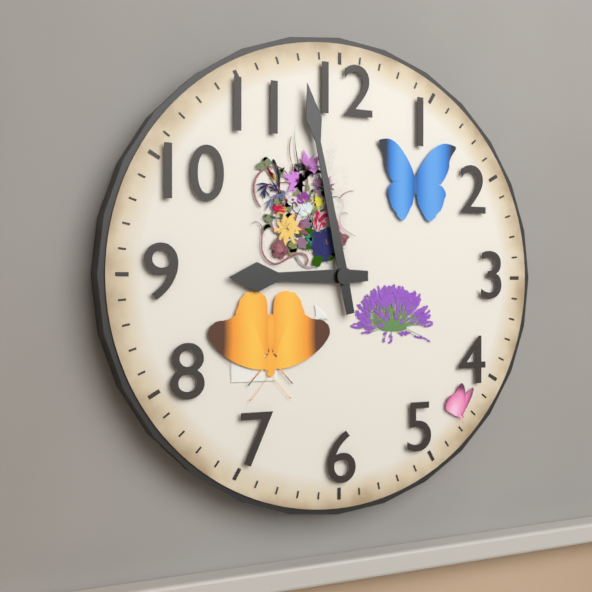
8:58
